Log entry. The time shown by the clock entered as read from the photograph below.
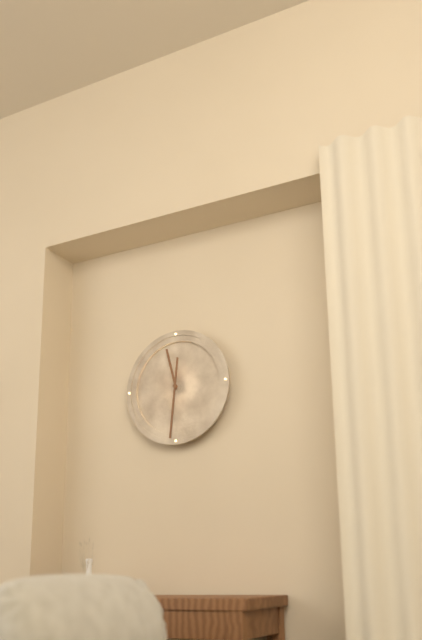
11:31
